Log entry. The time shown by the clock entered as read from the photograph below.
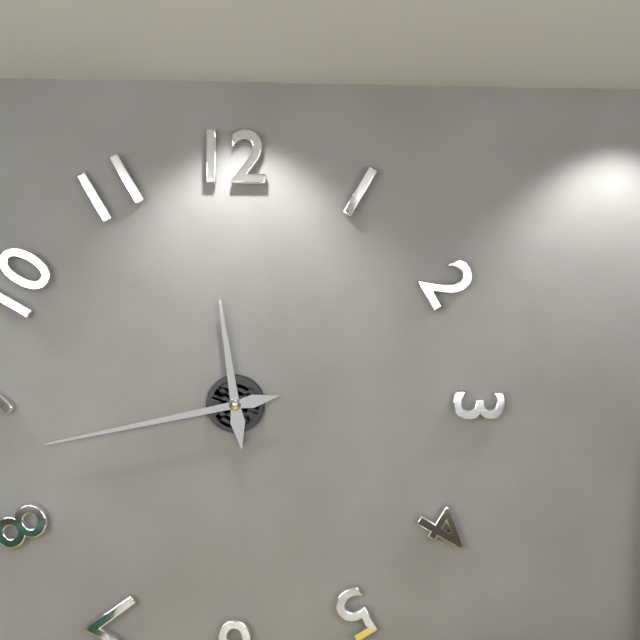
11:43
